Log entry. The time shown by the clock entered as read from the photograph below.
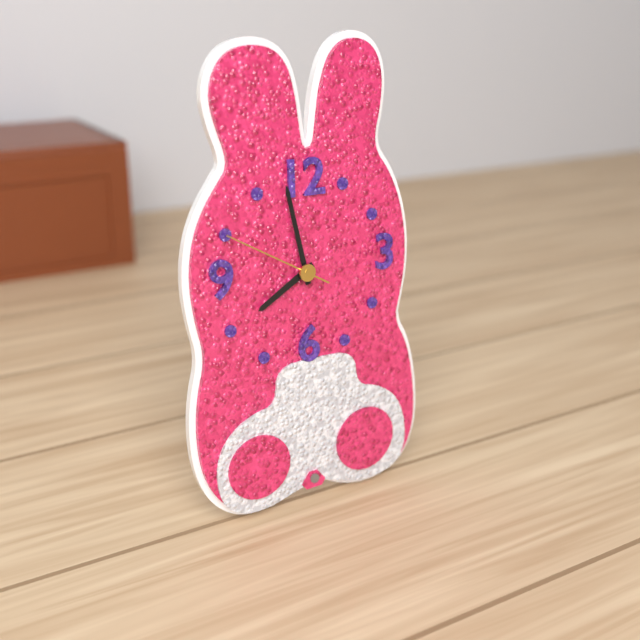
7:58:50
